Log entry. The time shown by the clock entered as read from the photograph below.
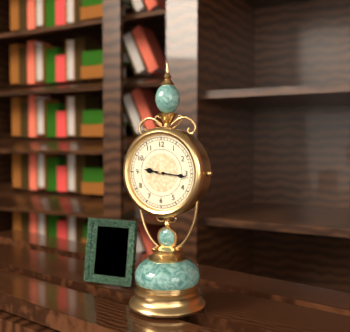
9:16
